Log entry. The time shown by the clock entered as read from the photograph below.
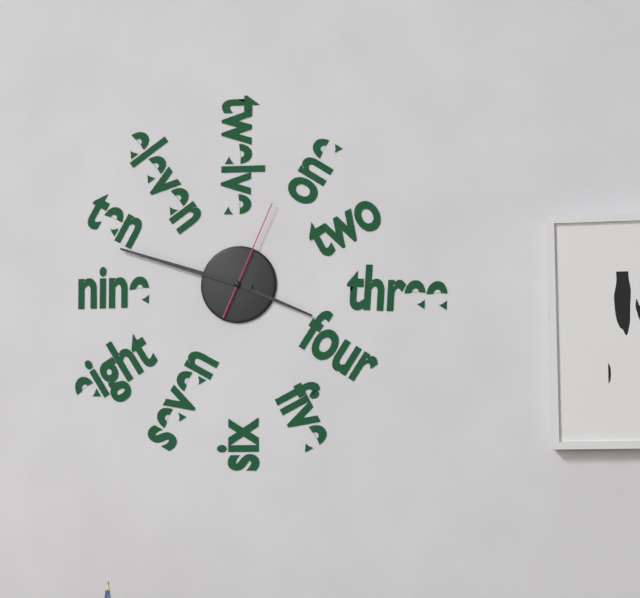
3:48:04
